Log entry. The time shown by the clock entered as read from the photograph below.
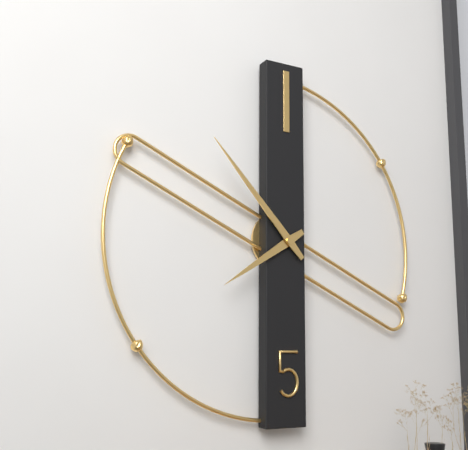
7:53
